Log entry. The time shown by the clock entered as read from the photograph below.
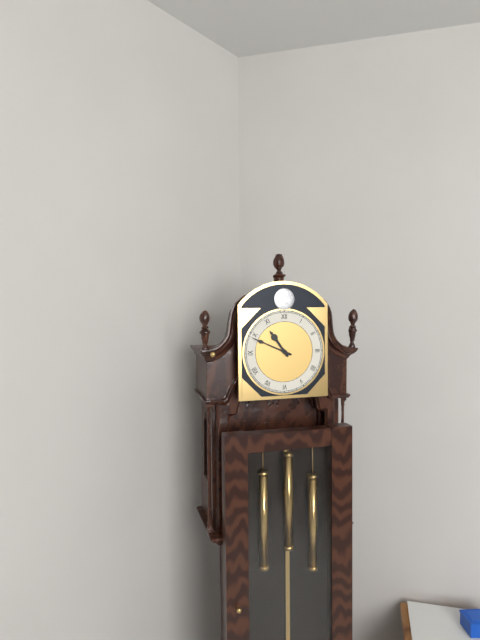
10:49
